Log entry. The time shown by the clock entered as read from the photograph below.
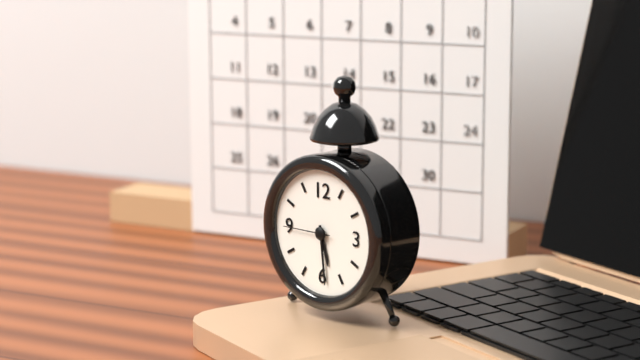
5:29:45
